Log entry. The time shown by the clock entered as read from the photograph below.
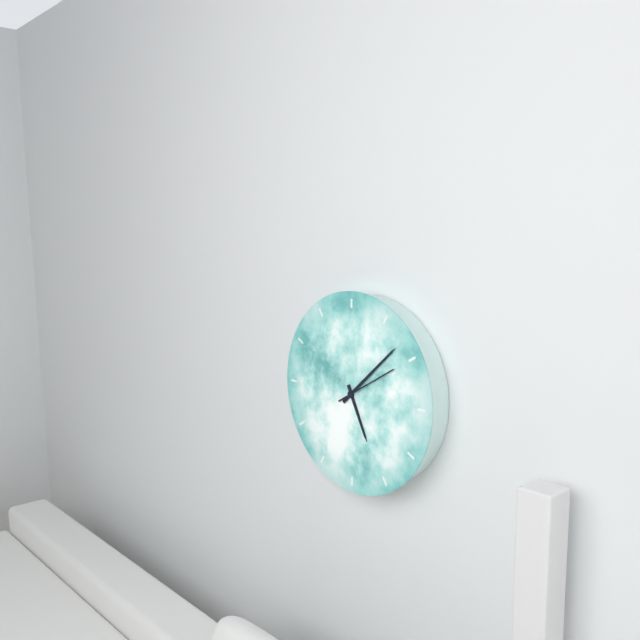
5:08:10
